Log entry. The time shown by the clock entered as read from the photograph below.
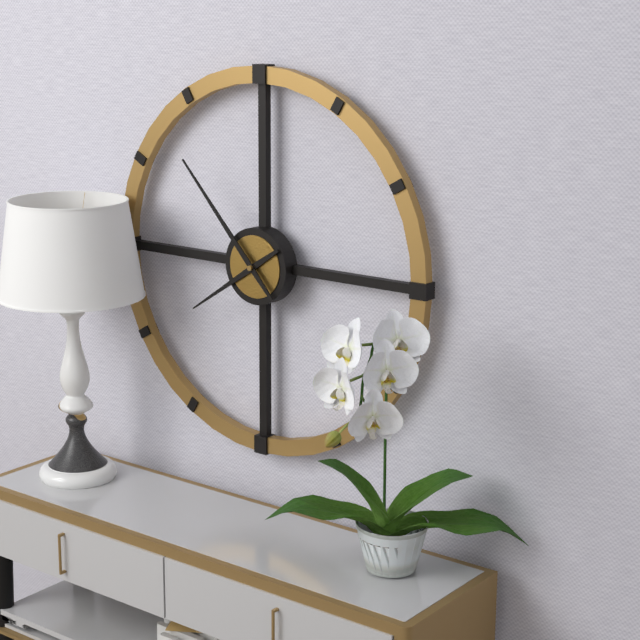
7:53
